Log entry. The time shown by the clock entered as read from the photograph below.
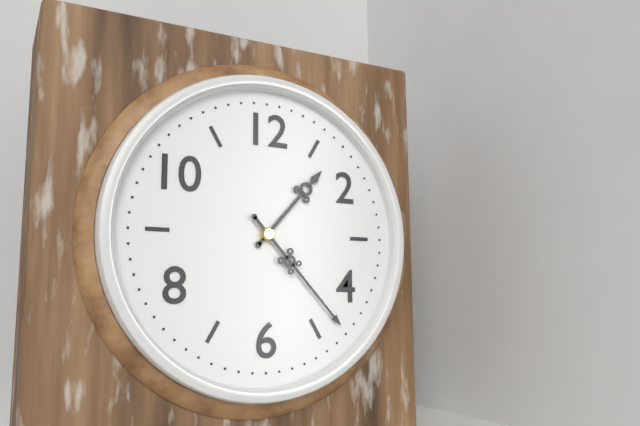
1:23
